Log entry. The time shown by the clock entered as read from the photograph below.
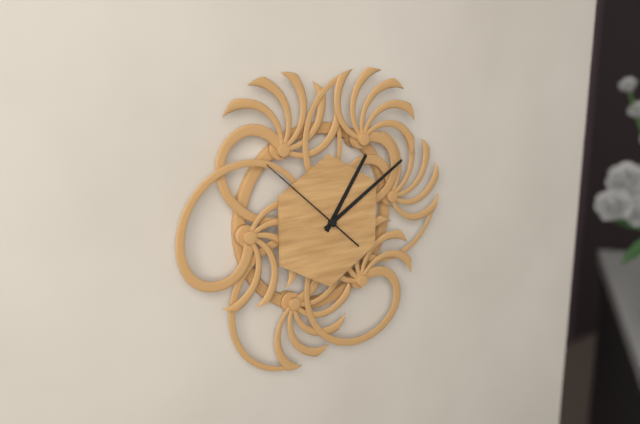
1:10:52
